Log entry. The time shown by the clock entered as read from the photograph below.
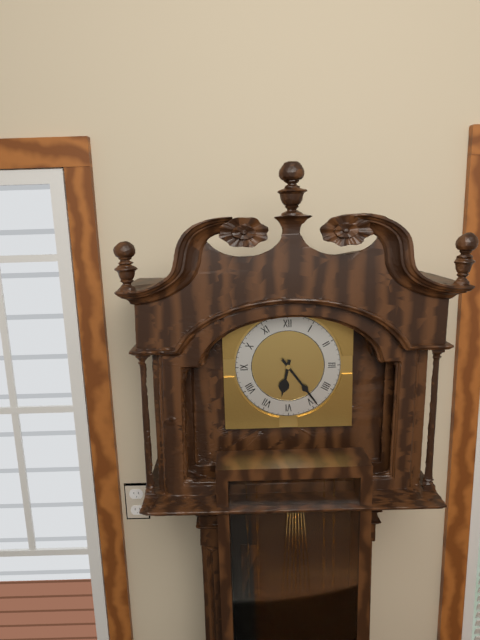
6:24
